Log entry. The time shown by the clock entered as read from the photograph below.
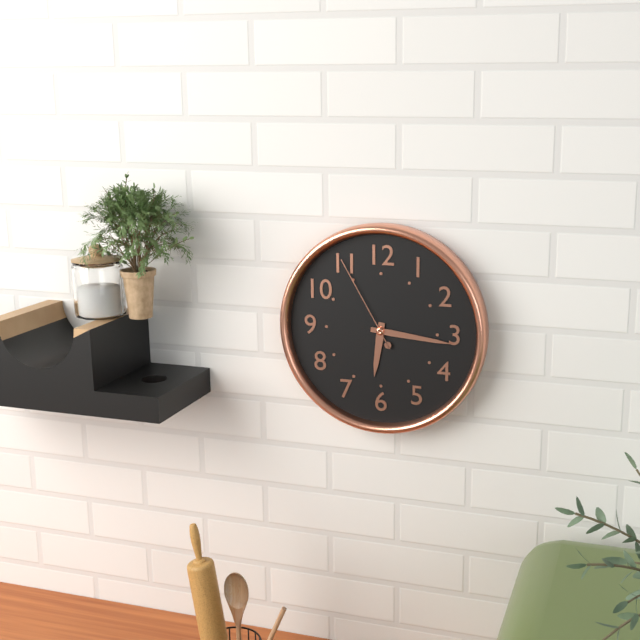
6:16:55
